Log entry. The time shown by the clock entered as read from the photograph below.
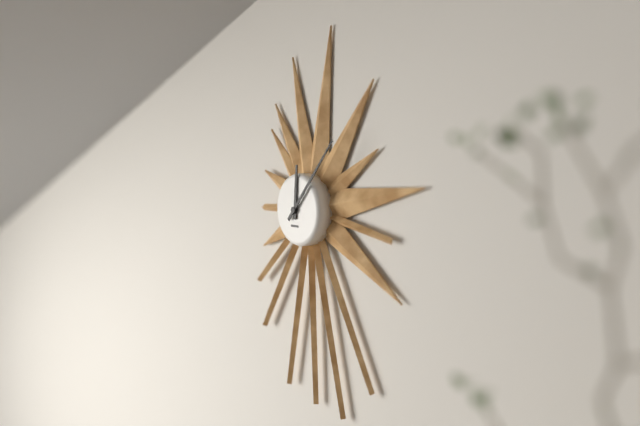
12:07
